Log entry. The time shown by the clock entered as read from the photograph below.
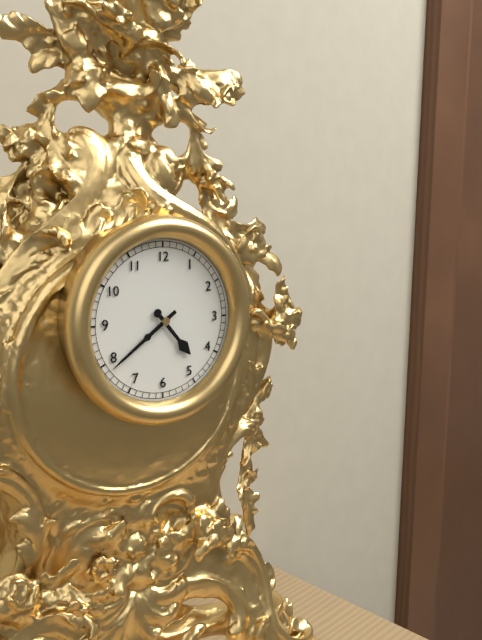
4:39
